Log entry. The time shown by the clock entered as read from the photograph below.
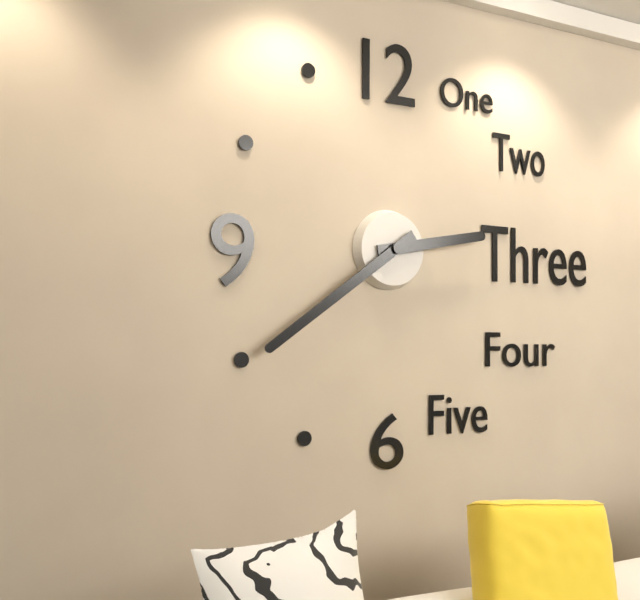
2:39
